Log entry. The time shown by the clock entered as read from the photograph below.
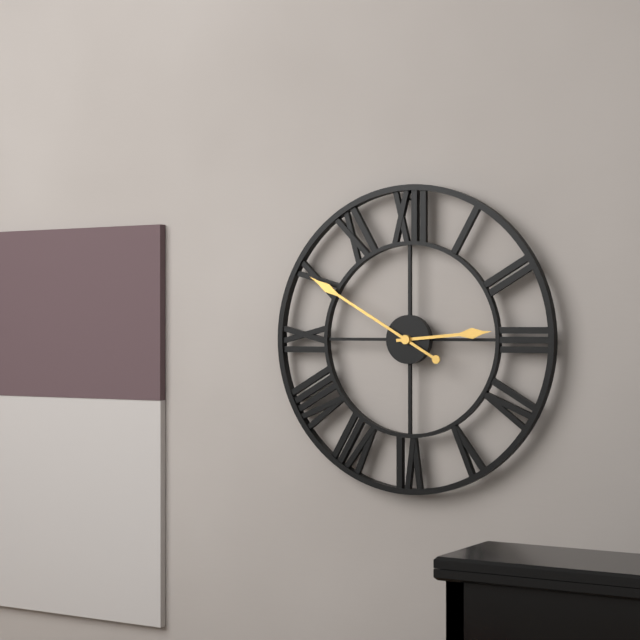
2:50
